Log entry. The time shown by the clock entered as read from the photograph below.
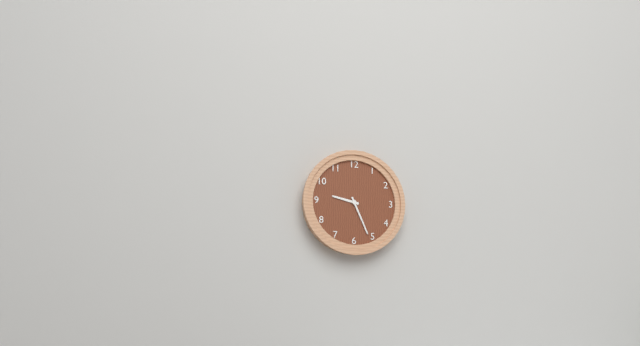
9:26
